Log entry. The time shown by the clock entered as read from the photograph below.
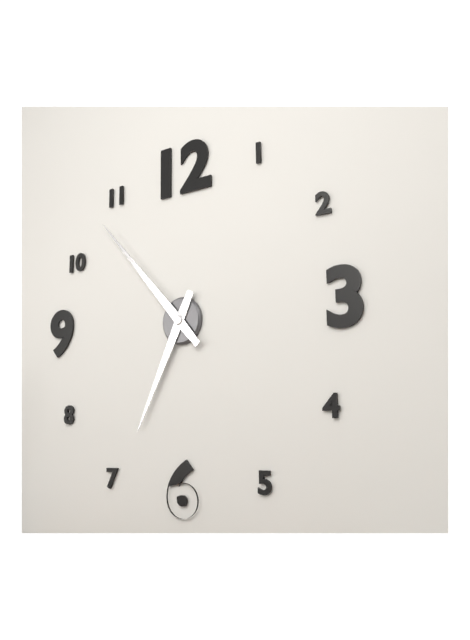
6:53
